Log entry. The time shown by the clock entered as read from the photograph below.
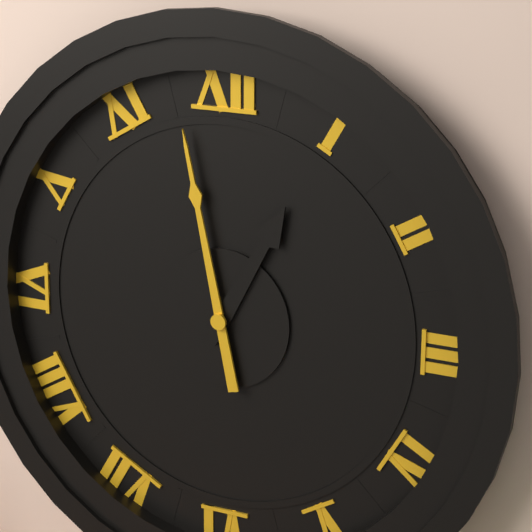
12:58
